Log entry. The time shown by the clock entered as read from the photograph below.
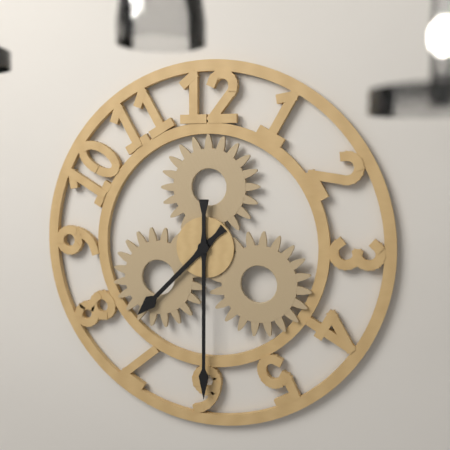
7:30
